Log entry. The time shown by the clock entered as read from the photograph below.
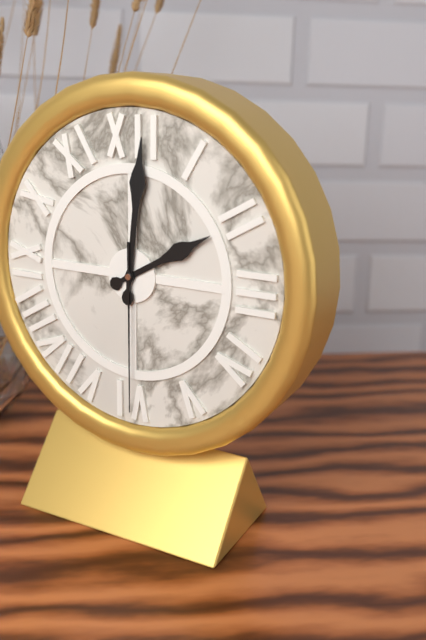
2:01:30
